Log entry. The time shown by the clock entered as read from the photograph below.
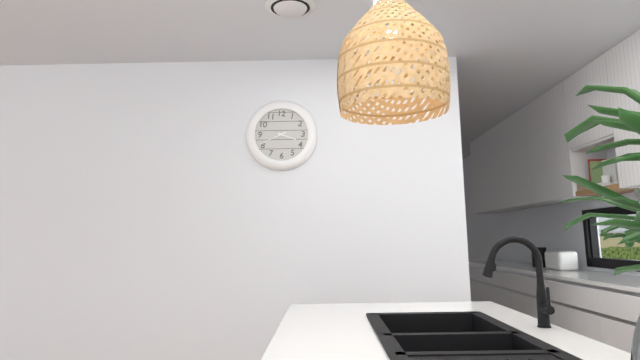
3:41
